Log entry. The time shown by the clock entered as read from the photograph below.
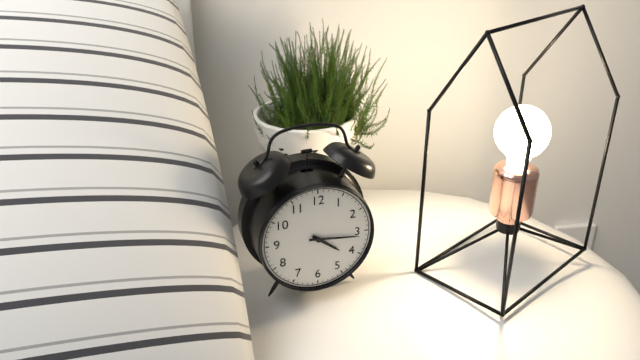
4:16
